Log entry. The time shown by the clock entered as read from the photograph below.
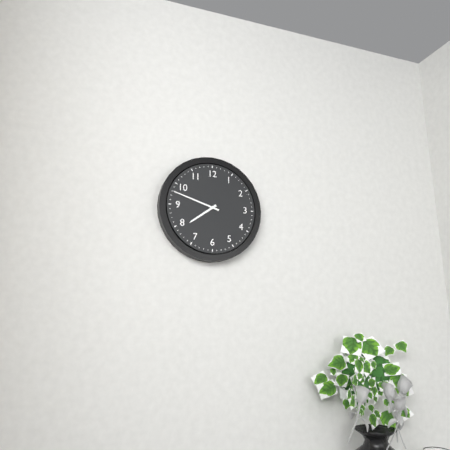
7:48
